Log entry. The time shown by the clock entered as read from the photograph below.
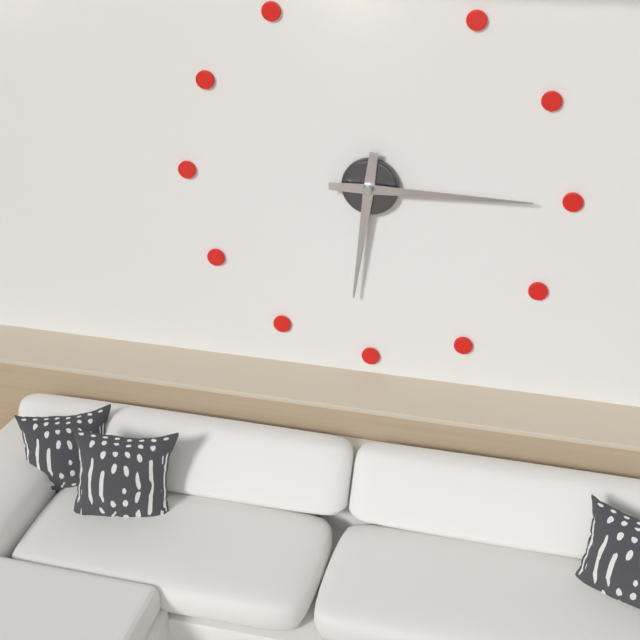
6:15
